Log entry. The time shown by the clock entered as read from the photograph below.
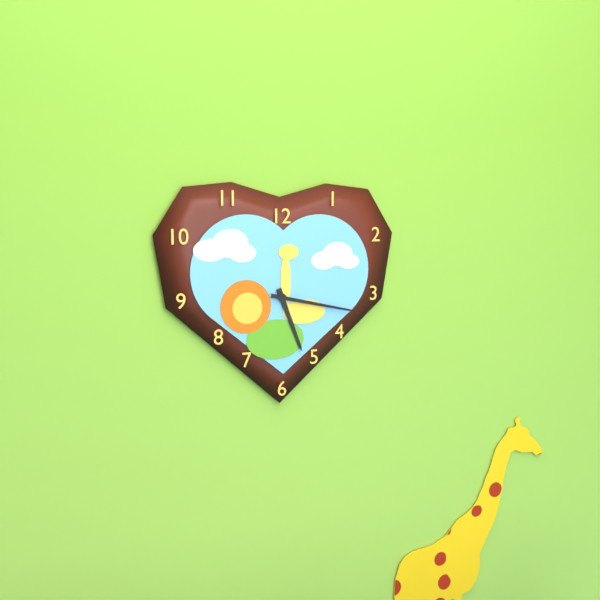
5:17
